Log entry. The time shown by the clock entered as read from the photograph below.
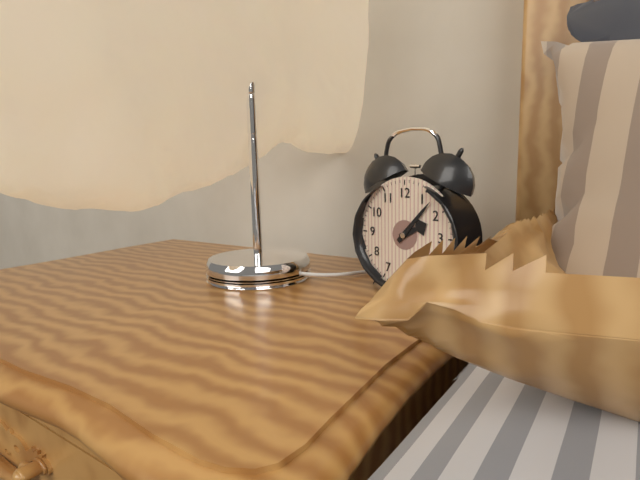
2:07
